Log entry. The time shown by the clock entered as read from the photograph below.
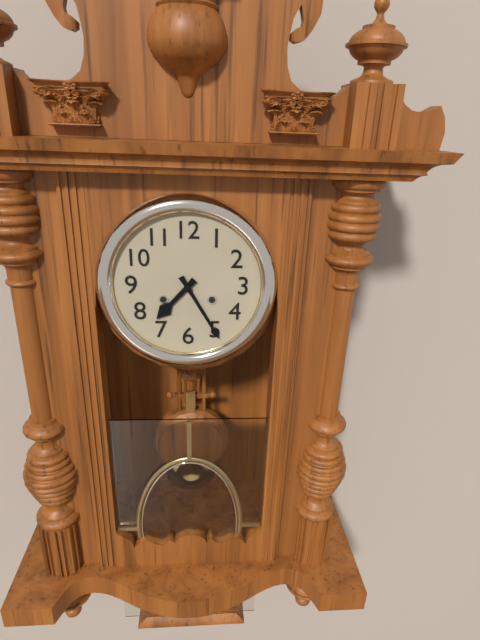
7:25
